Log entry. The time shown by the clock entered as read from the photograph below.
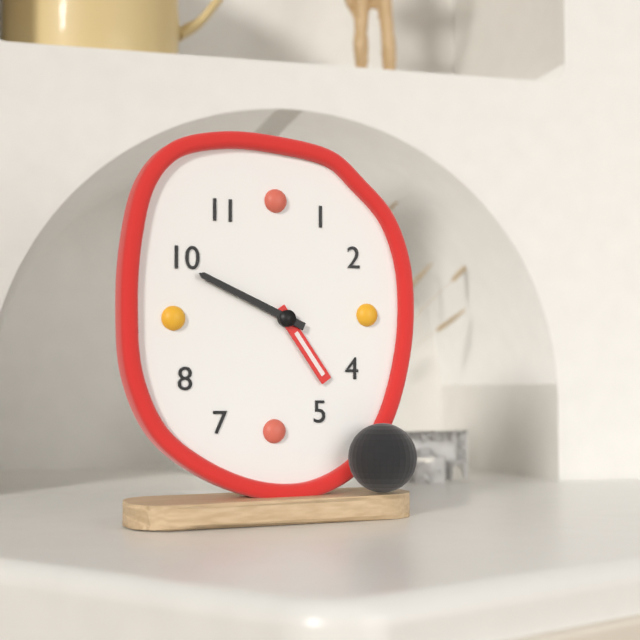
4:49
